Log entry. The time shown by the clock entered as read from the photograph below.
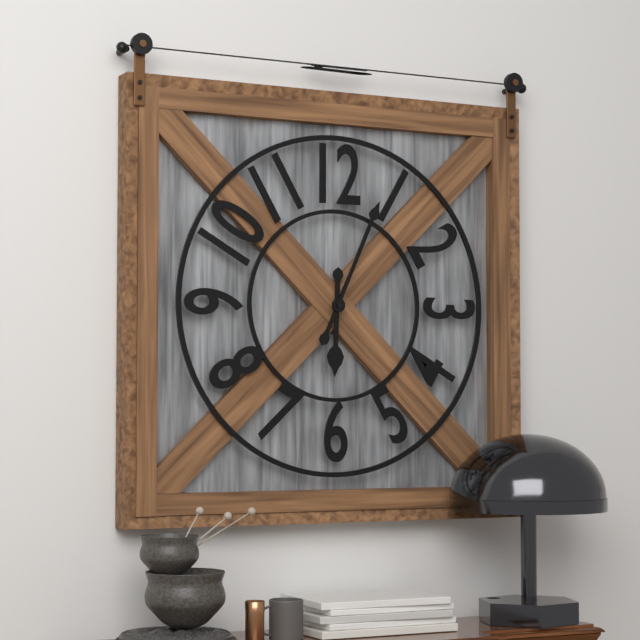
6:04
